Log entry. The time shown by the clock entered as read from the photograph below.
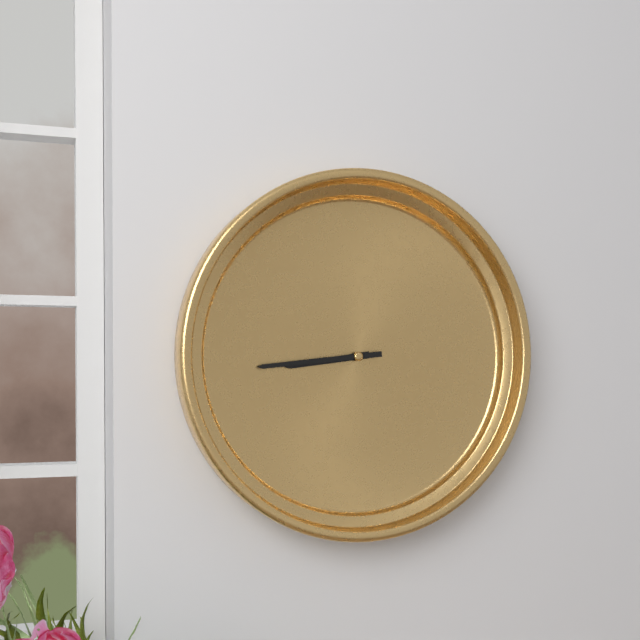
8:44
